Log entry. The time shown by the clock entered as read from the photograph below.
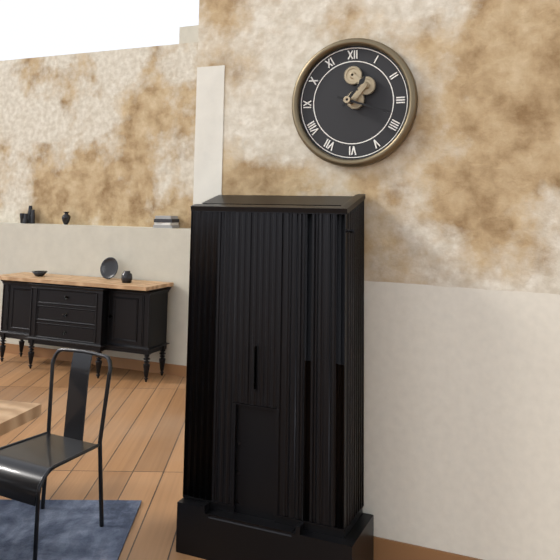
1:18
